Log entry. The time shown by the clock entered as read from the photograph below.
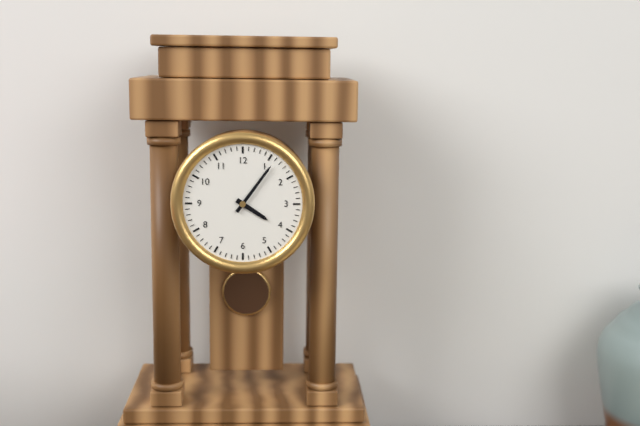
4:06
